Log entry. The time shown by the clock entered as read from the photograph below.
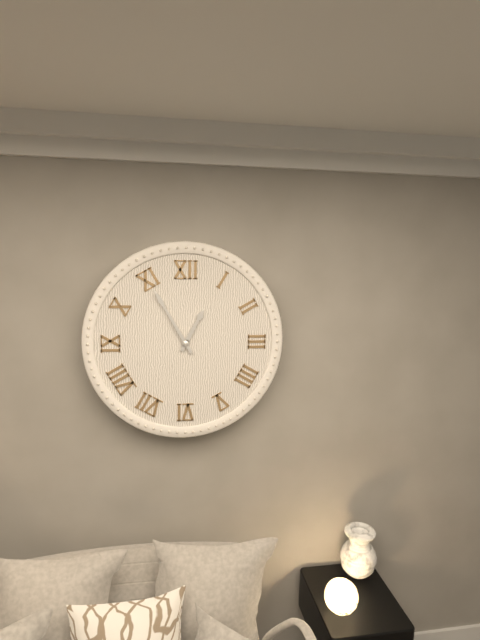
12:55
